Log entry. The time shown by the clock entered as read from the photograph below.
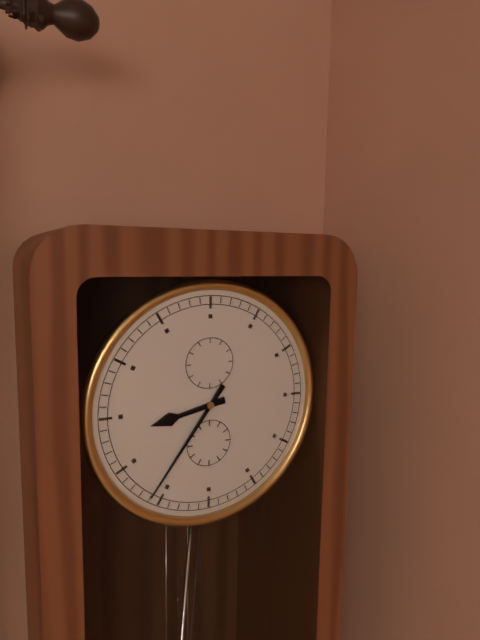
8:36
